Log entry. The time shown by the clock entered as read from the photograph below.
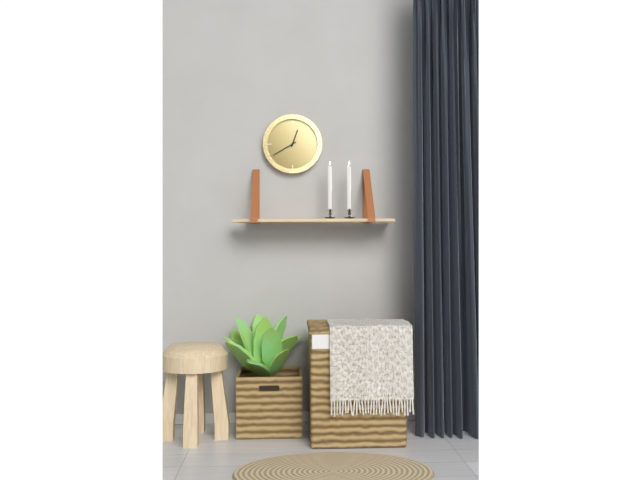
12:40
